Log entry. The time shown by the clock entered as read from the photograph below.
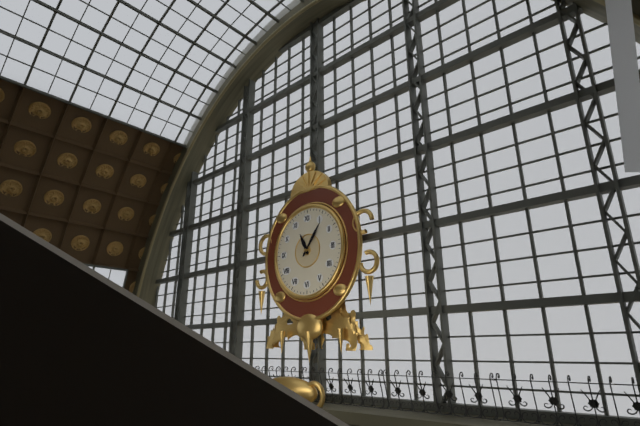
11:06
